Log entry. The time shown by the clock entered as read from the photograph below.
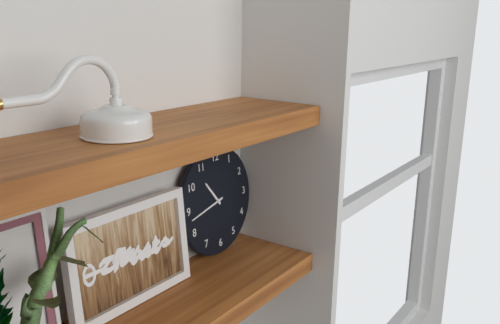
10:43
